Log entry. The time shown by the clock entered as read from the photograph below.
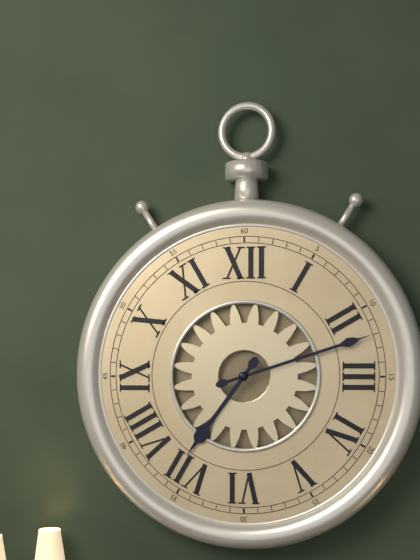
7:12
